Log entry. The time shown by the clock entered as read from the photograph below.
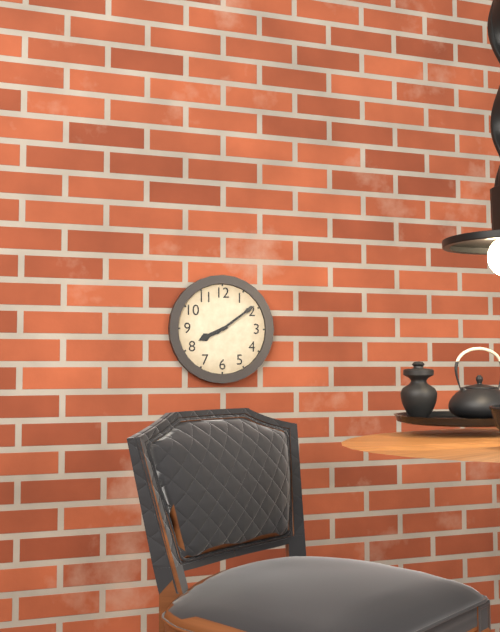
8:09
